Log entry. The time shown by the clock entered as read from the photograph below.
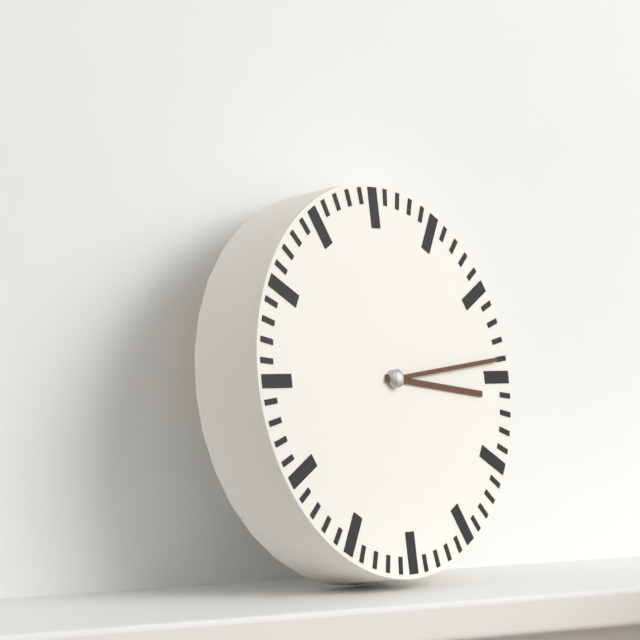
3:14
